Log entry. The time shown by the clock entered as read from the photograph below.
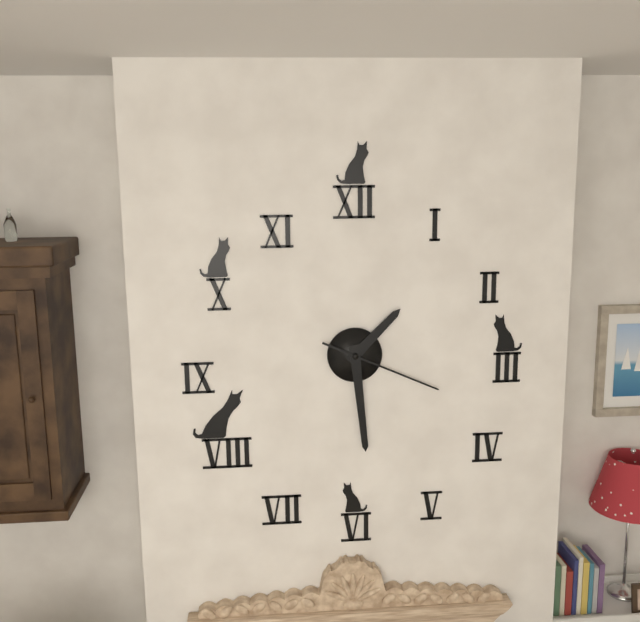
1:29:19
